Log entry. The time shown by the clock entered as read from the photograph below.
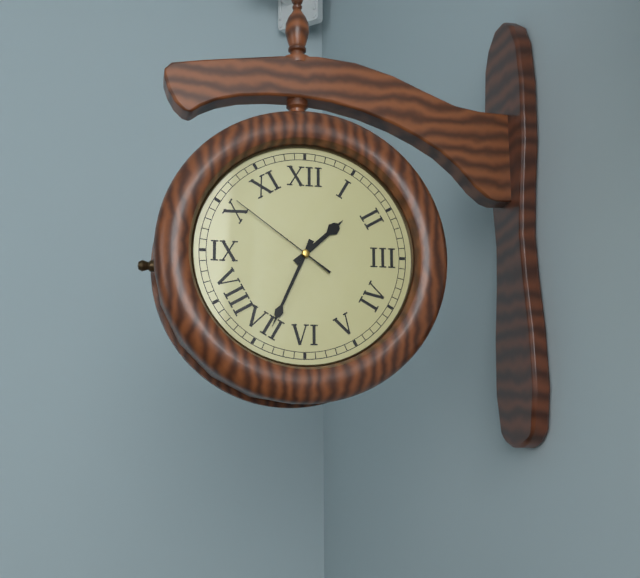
1:34:51
